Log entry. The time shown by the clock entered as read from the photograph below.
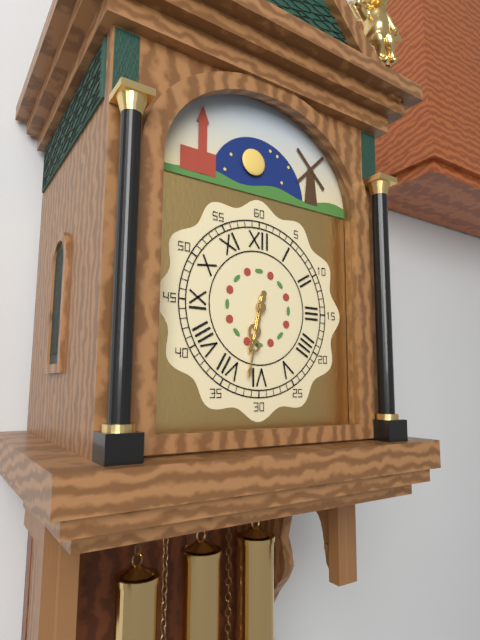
6:32
